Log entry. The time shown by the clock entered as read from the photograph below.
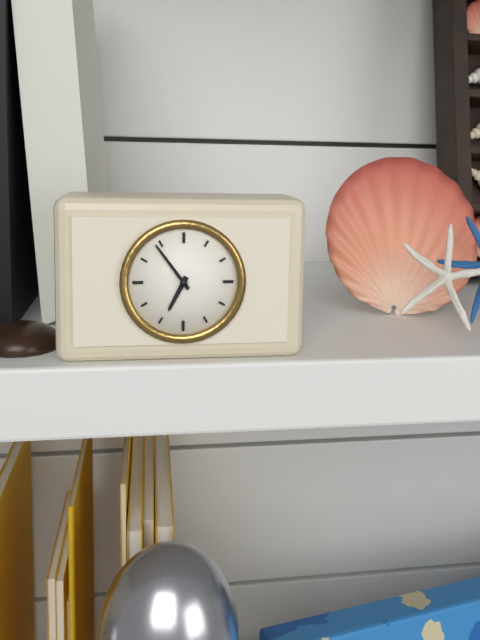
6:54
